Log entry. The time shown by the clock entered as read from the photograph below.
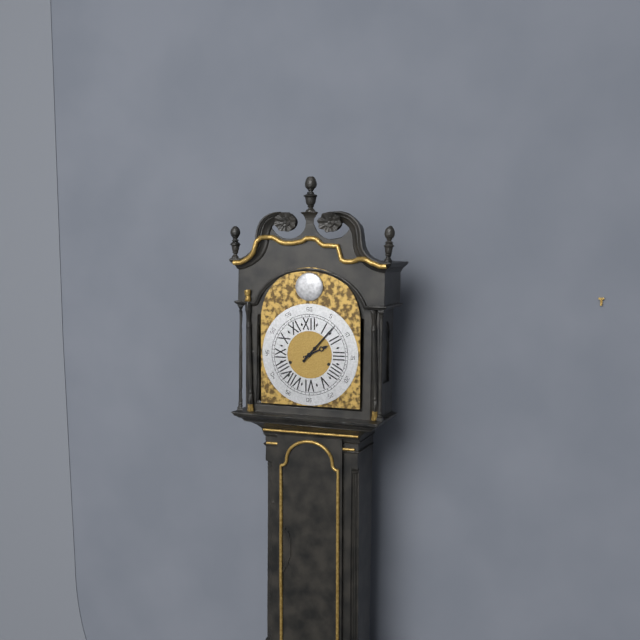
2:07
